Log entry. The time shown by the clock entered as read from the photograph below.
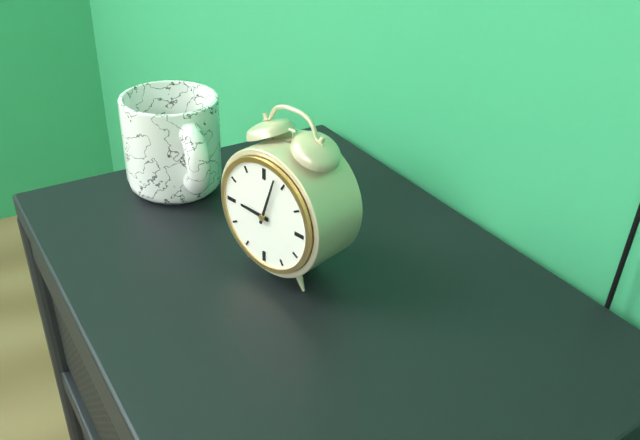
9:03
